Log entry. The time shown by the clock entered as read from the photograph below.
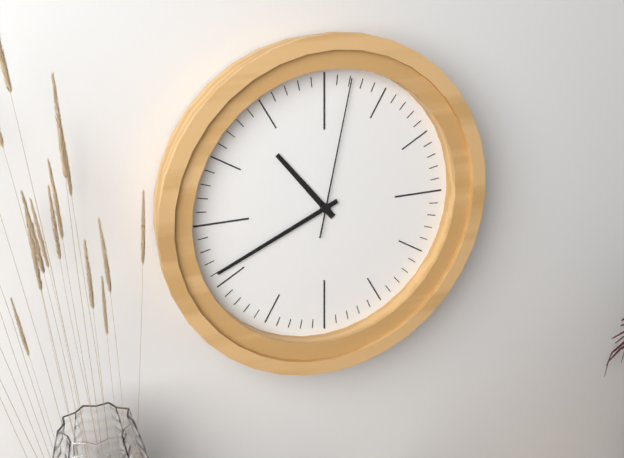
10:41:02
